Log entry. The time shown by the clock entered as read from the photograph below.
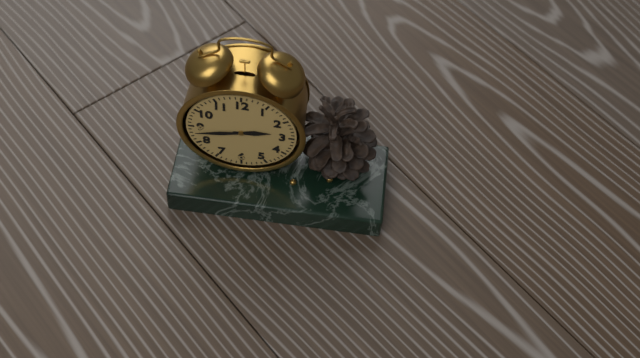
2:43
